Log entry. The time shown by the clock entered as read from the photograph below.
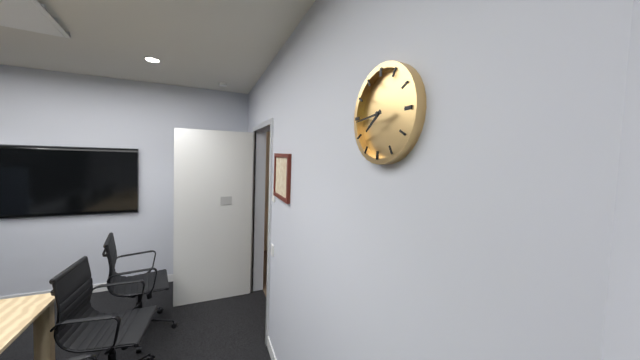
7:44
